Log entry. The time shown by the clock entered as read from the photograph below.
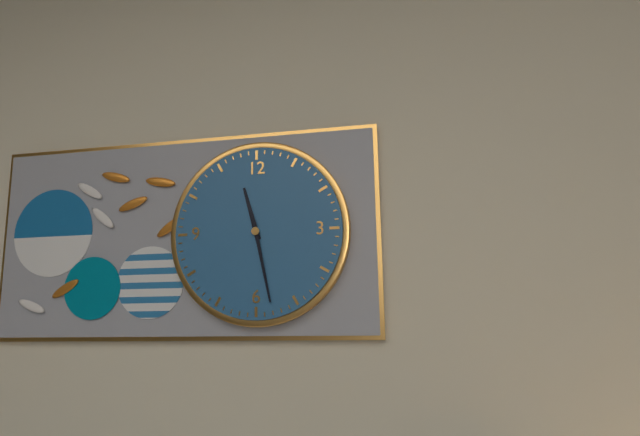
11:28
